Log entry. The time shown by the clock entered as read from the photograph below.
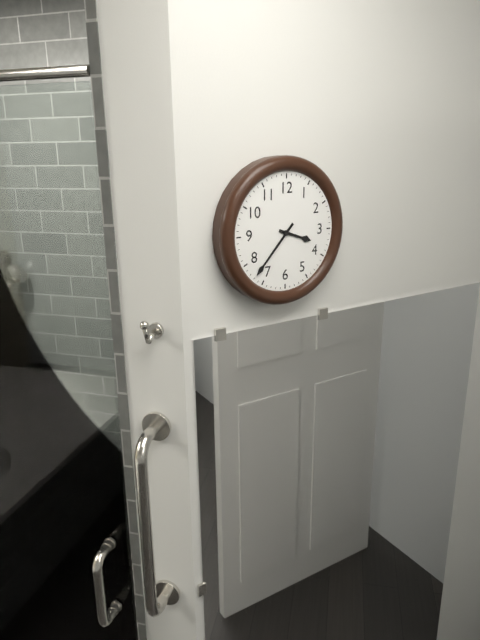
3:37
